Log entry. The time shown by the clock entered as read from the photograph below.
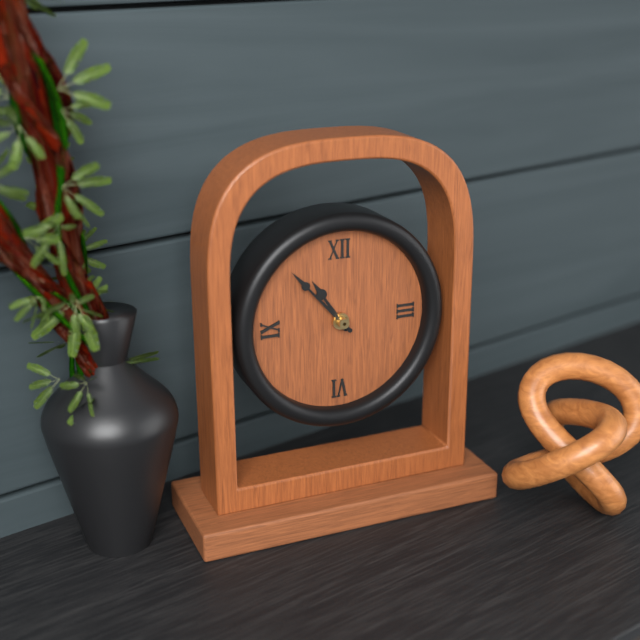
10:53
